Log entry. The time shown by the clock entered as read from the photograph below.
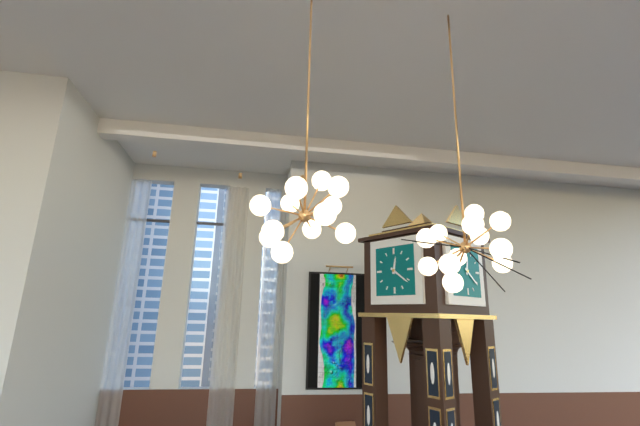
12:21
